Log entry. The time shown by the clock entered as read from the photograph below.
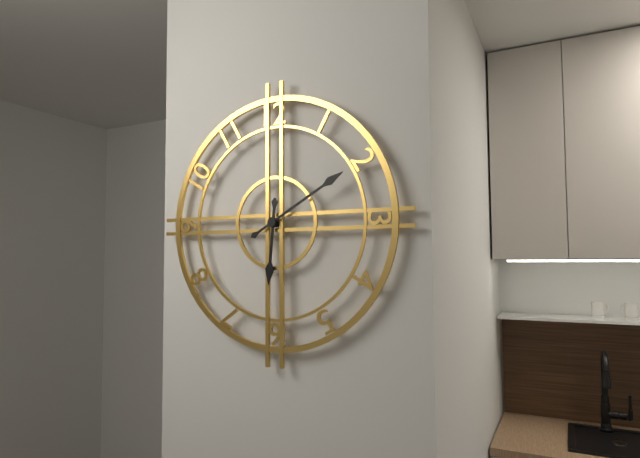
6:10
